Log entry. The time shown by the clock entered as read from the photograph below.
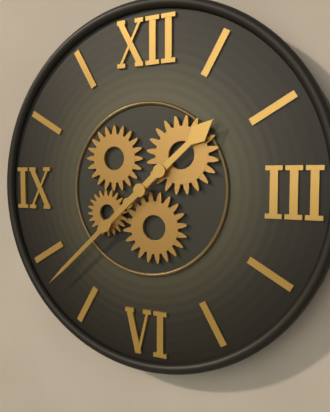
1:38
